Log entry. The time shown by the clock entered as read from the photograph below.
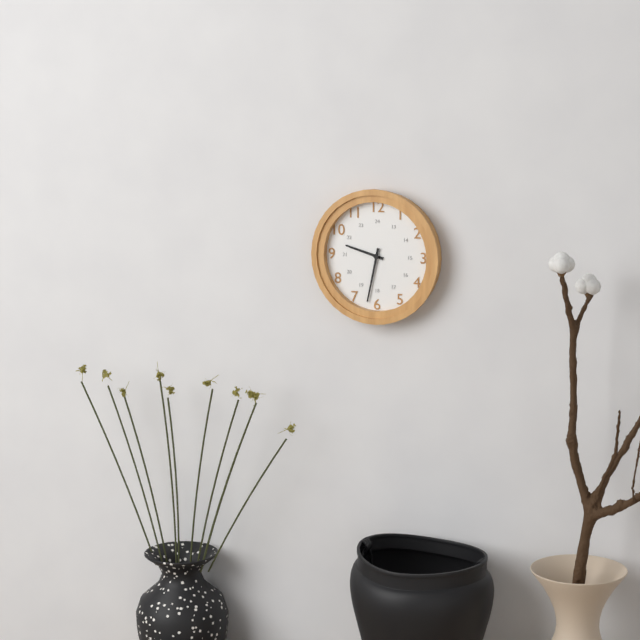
9:32
